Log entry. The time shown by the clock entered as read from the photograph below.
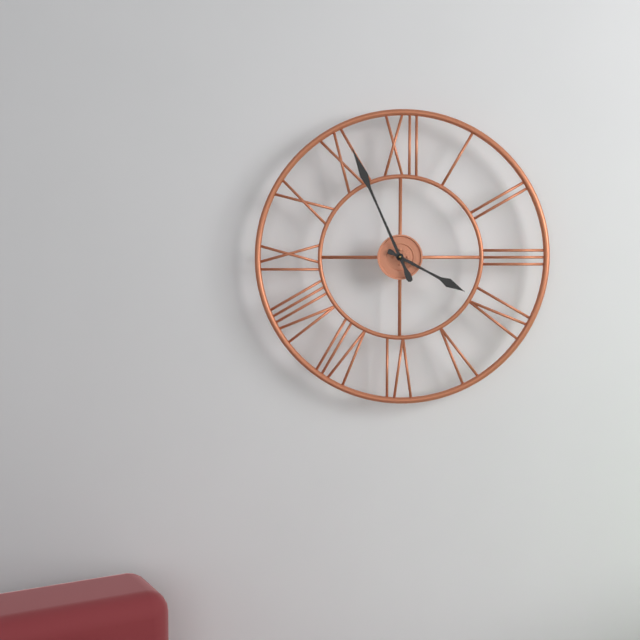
3:56
